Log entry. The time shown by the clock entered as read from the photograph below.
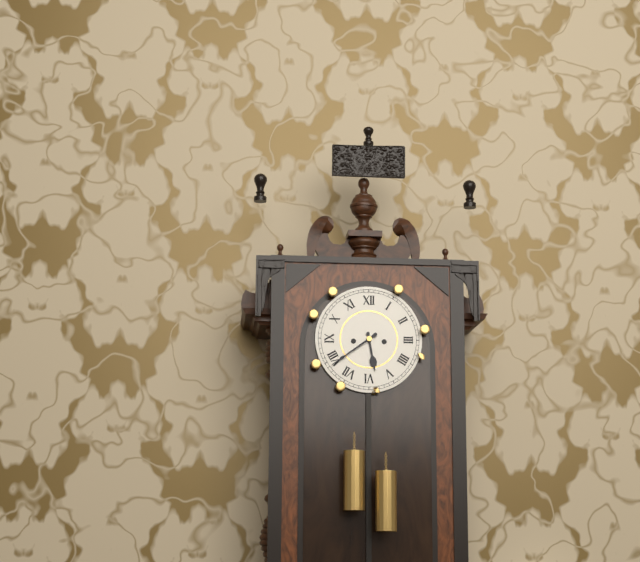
5:39
